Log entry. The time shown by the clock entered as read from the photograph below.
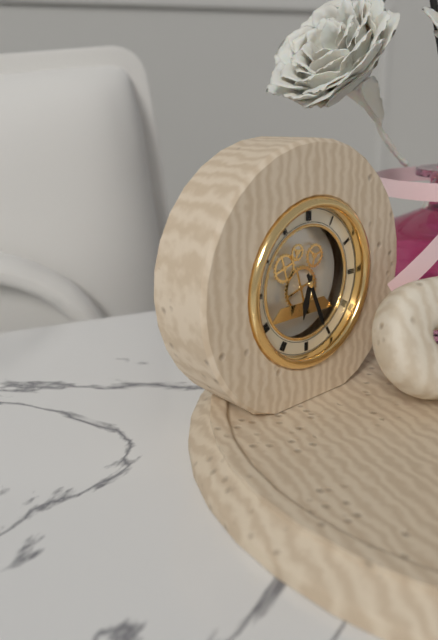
6:26
